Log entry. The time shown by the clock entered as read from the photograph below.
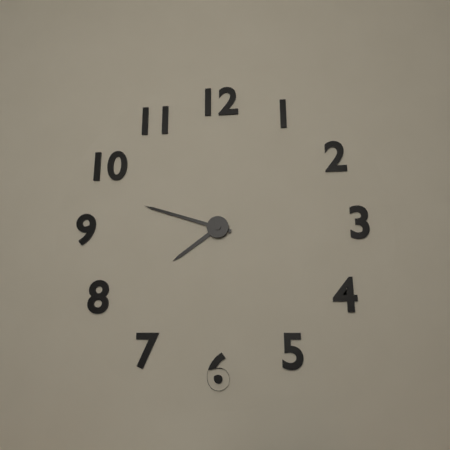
7:48
